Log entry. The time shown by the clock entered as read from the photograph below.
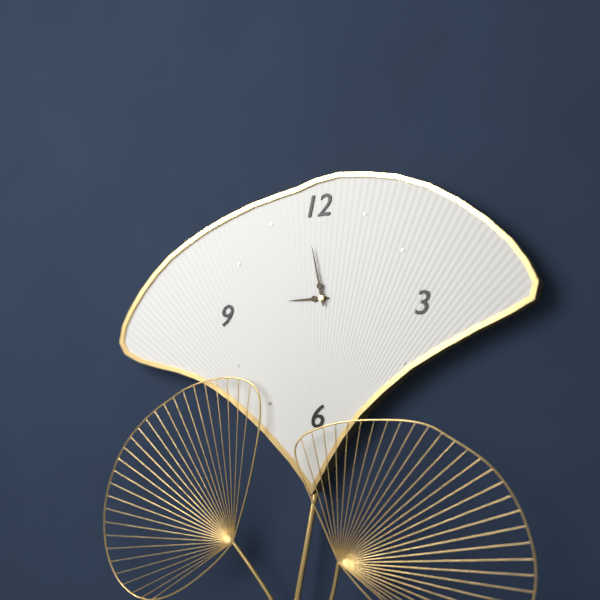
8:58
